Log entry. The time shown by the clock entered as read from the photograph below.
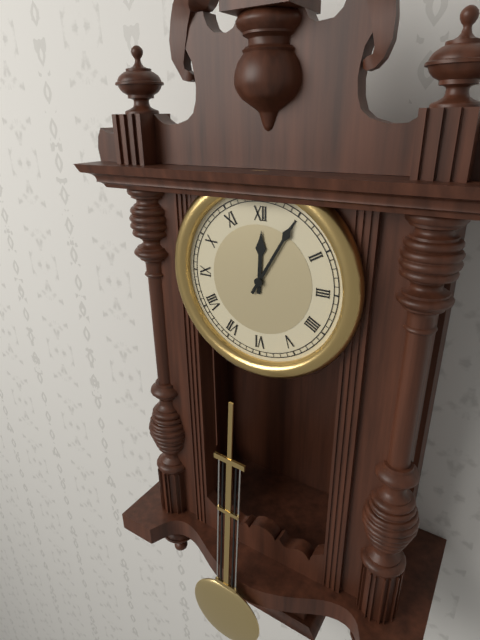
12:05
